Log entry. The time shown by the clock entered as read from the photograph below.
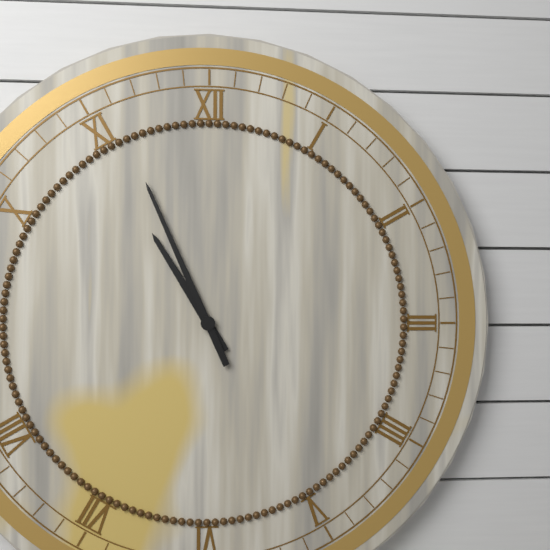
10:56
